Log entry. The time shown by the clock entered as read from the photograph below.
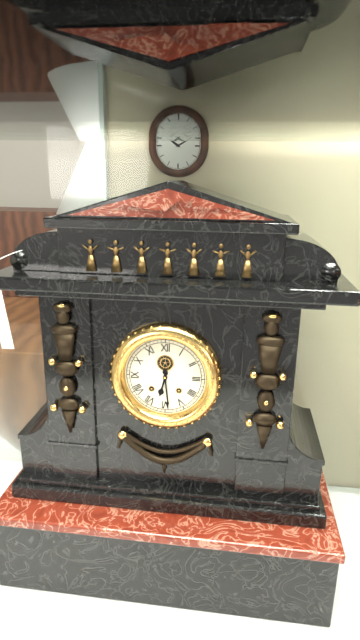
6:29
